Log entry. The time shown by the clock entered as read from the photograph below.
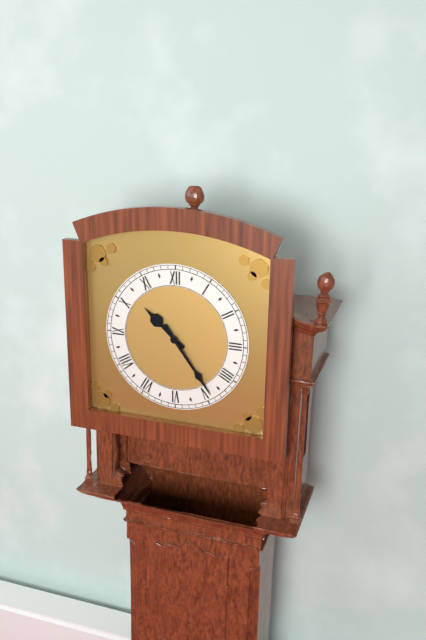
10:24
